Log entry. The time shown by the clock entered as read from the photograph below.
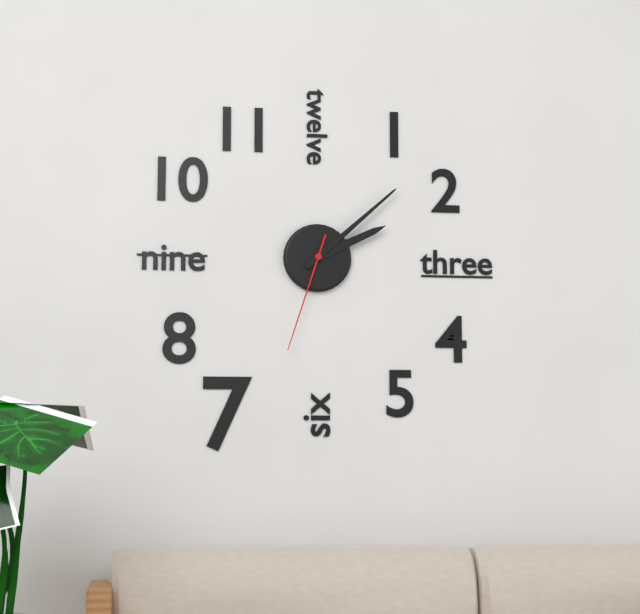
2:08:33
